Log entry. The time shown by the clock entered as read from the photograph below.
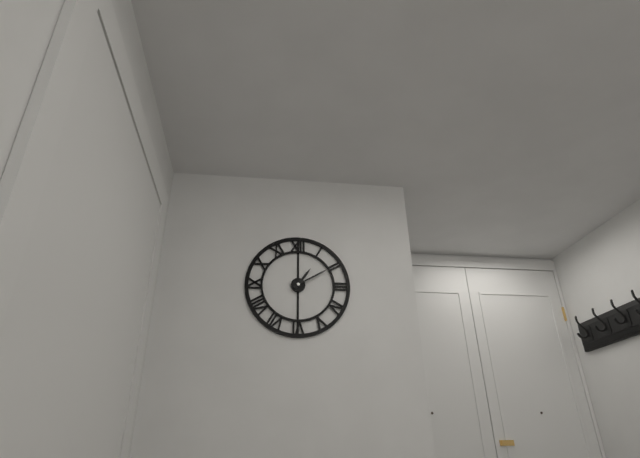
1:10
